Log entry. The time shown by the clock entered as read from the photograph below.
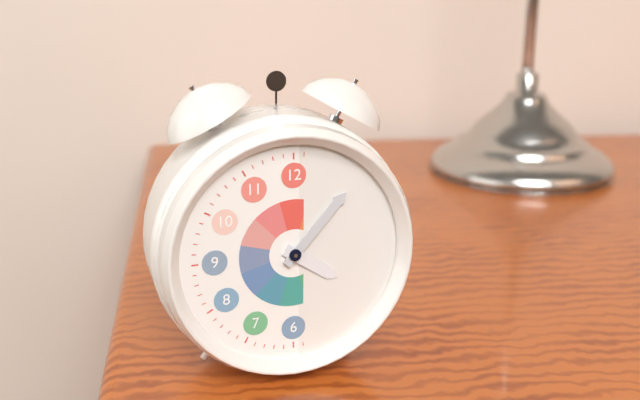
4:07
